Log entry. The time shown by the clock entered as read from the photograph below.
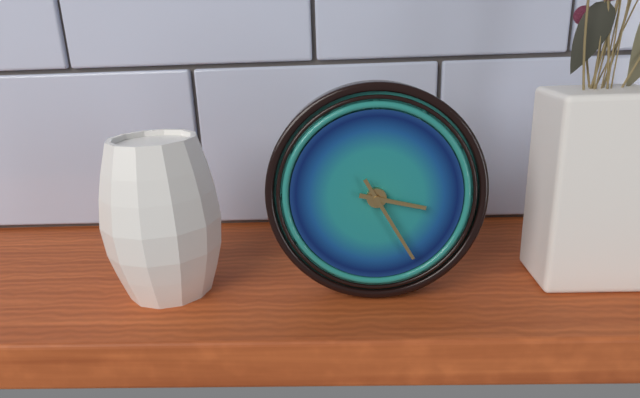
3:25
